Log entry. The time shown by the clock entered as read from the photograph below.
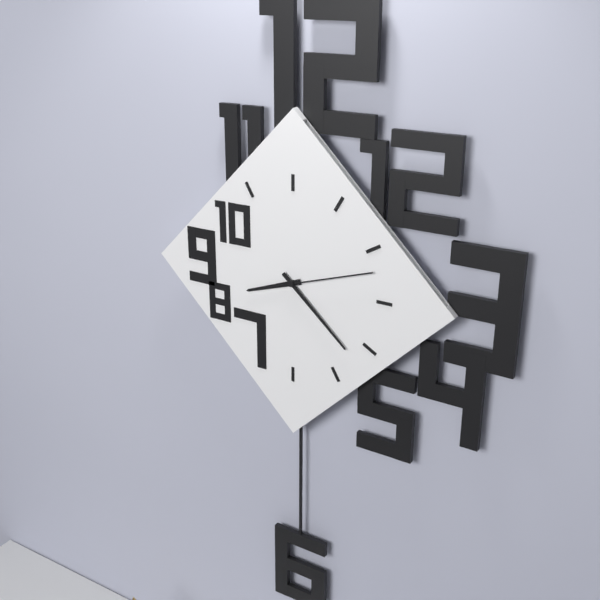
8:22:12
